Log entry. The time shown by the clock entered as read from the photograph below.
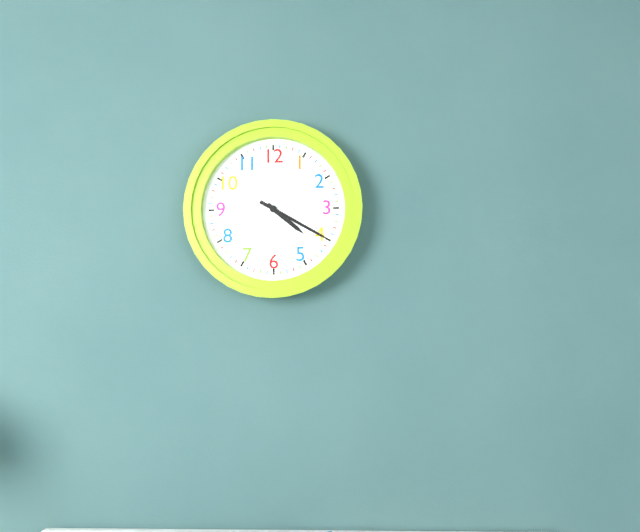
4:20
